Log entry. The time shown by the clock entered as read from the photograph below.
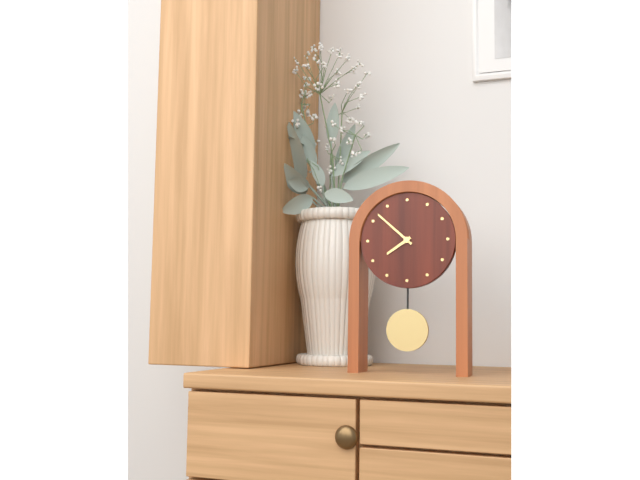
7:52
